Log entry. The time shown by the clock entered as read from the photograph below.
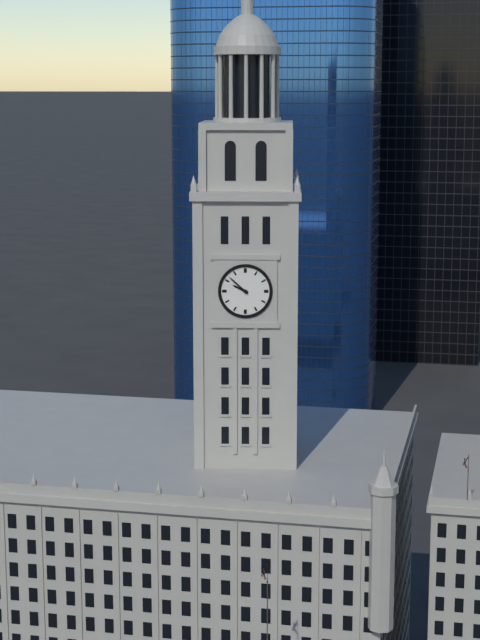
9:52
